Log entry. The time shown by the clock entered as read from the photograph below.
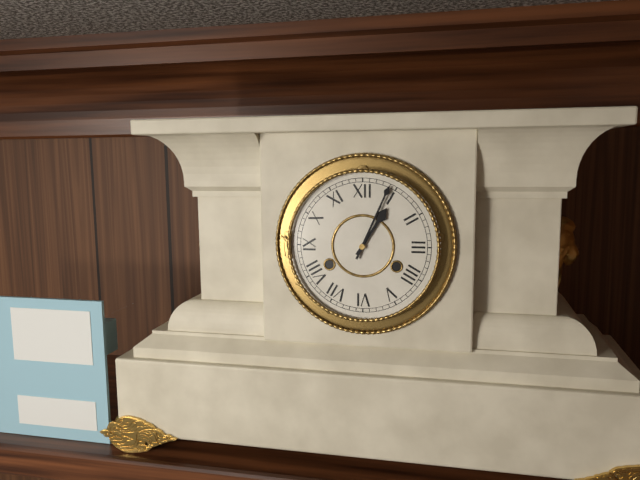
1:04
